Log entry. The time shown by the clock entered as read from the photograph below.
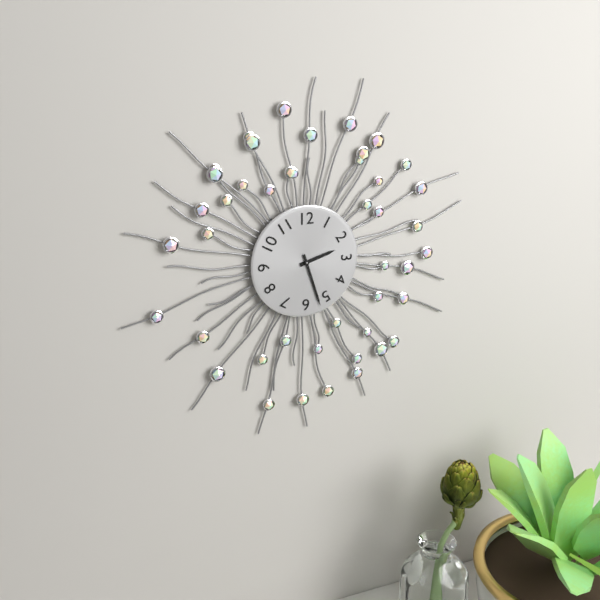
2:27
